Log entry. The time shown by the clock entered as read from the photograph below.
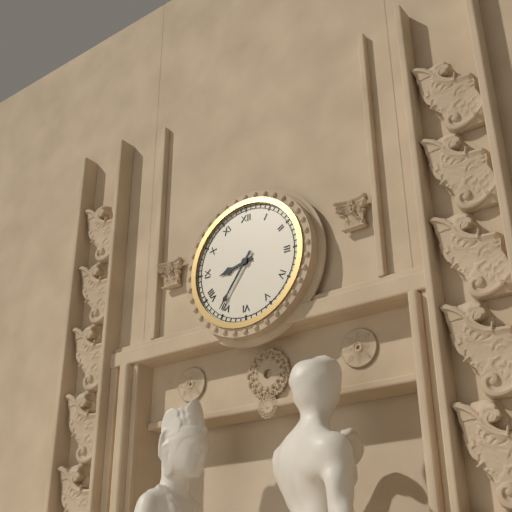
8:36
